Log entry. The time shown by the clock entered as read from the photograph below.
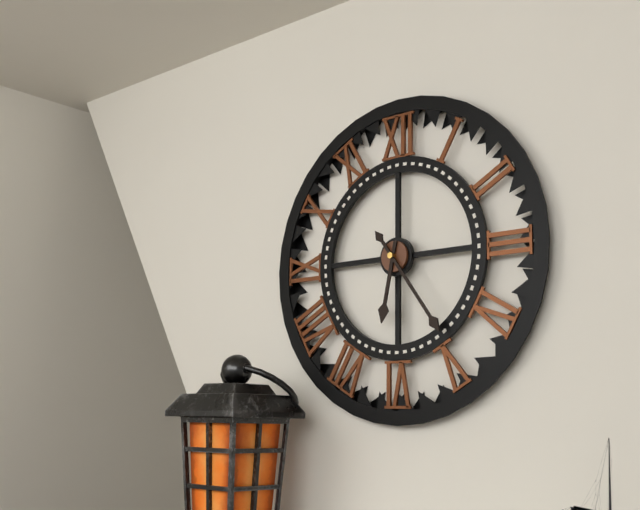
6:24
